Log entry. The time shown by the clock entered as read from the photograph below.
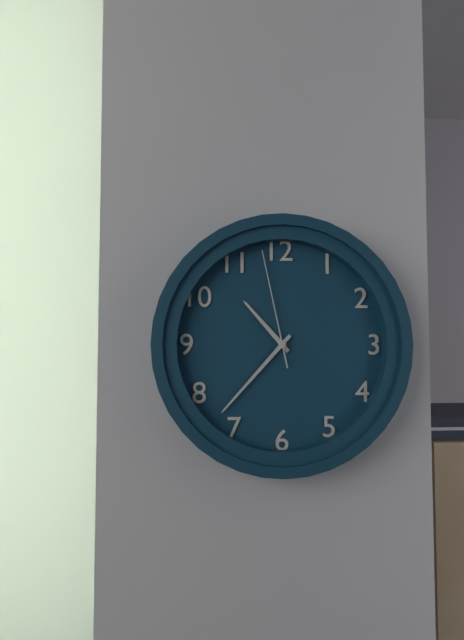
10:37:58
